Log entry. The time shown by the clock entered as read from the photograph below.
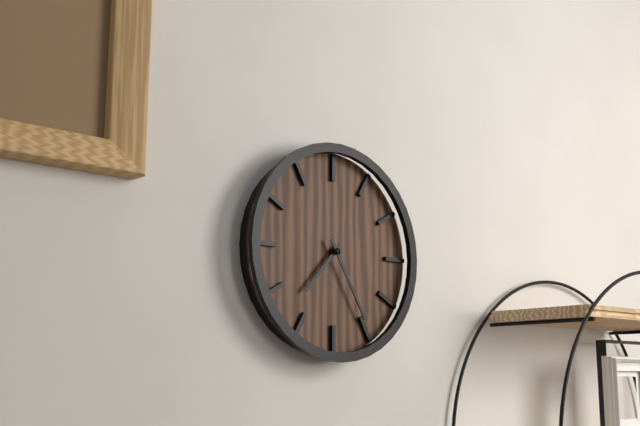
7:25
